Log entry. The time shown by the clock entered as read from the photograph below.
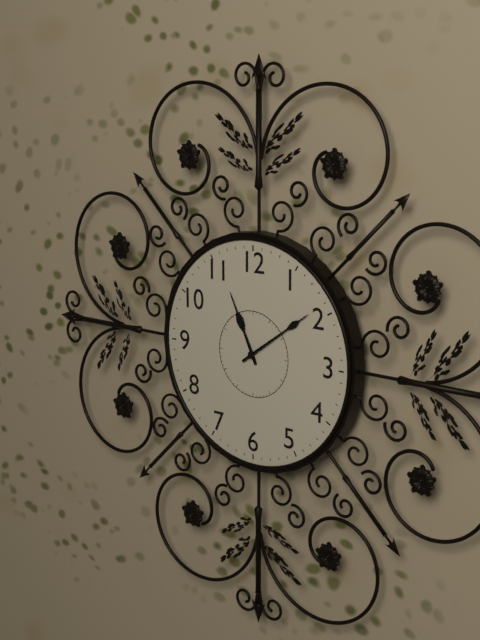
11:09
